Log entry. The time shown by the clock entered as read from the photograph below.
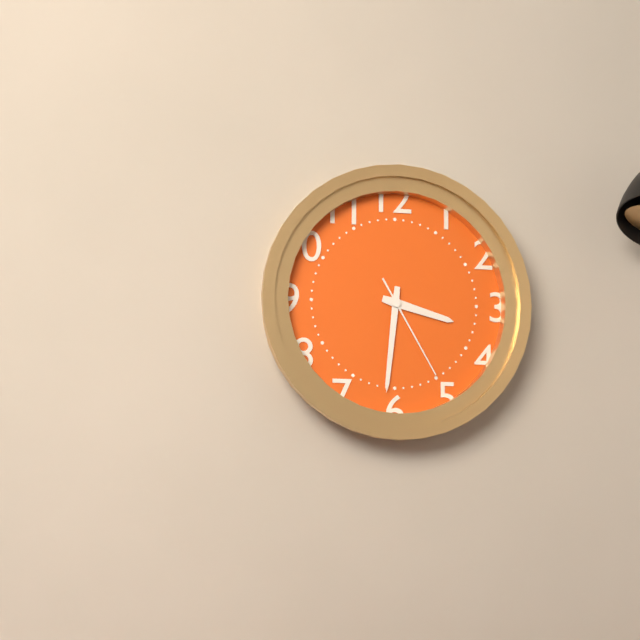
3:31:25
